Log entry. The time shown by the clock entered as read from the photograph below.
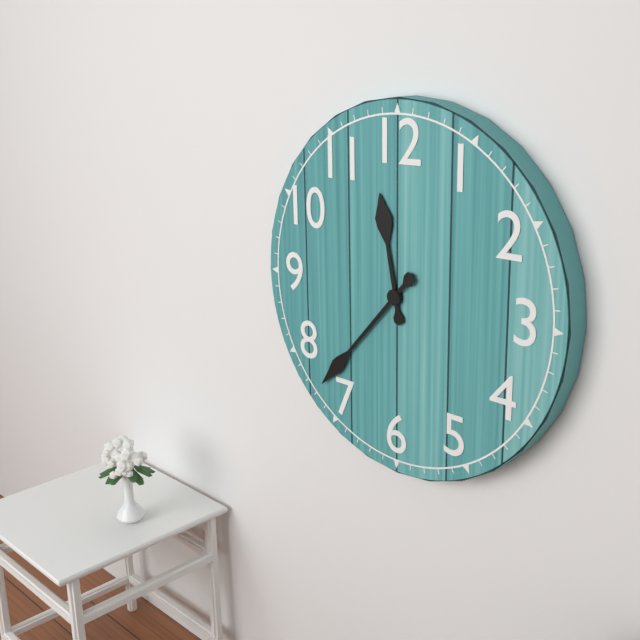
11:37
